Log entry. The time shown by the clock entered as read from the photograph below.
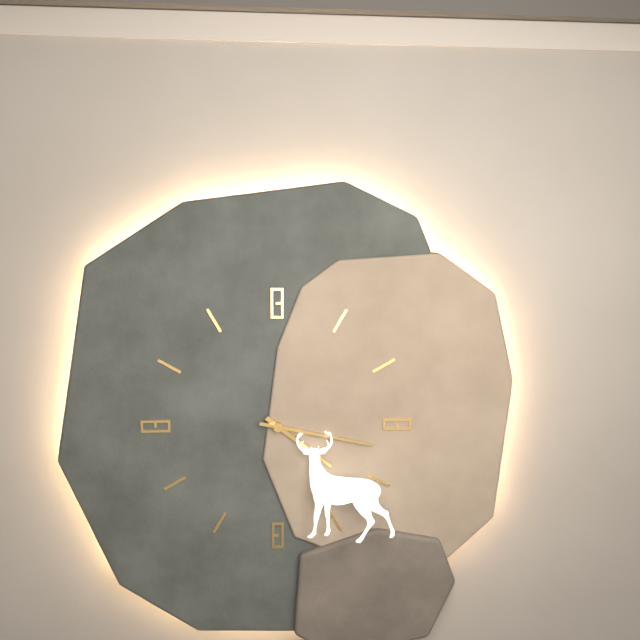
4:17
